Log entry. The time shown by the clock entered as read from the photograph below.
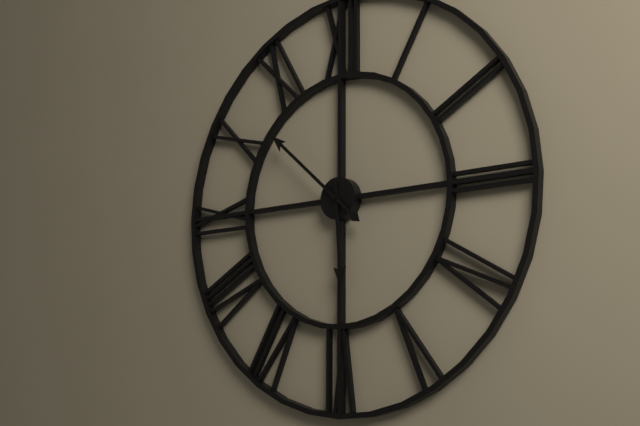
5:52
